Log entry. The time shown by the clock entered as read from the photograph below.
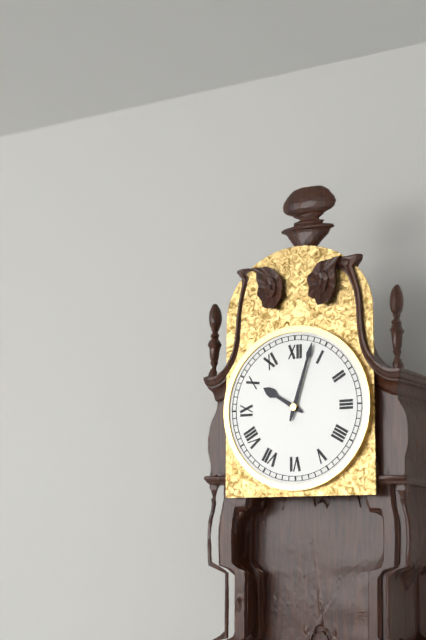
10:03
